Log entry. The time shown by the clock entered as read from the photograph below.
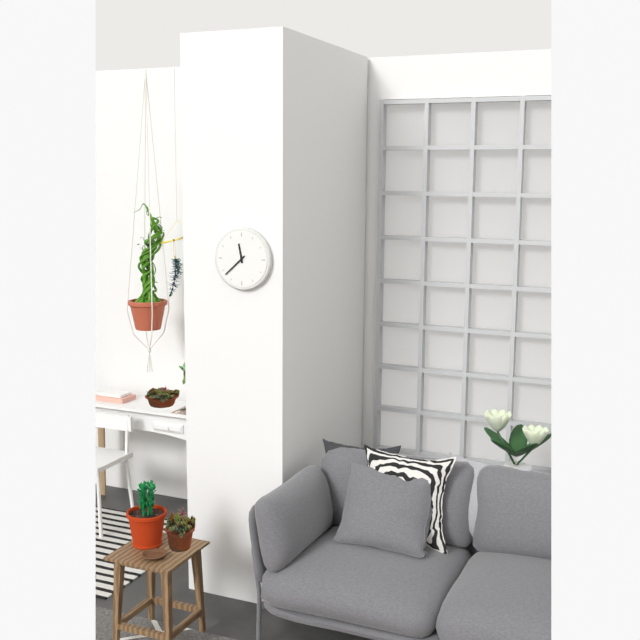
11:38
